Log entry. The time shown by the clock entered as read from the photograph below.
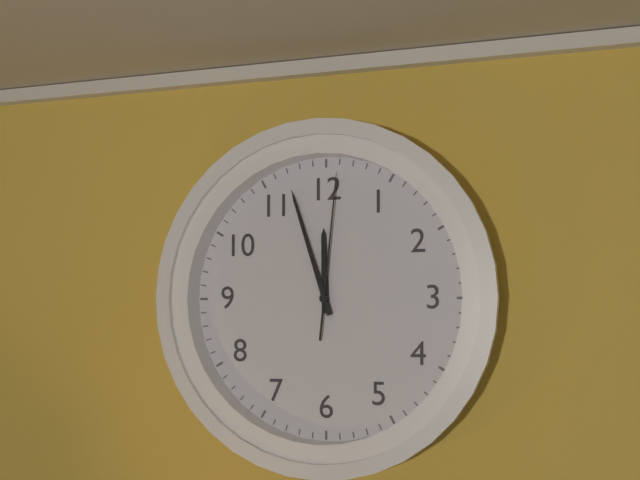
11:57:01
